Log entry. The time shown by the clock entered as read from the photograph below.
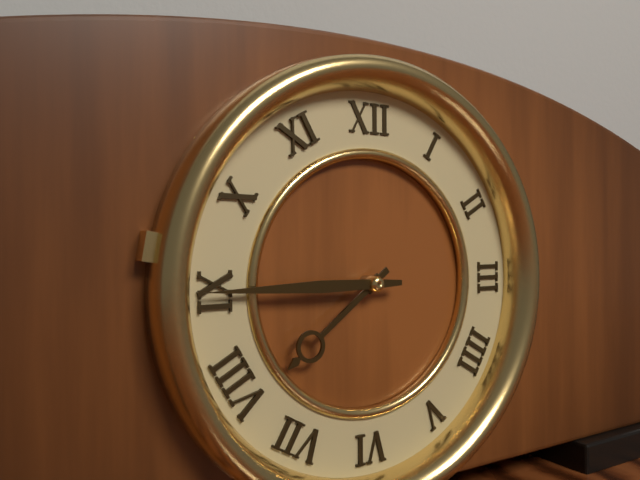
7:45
